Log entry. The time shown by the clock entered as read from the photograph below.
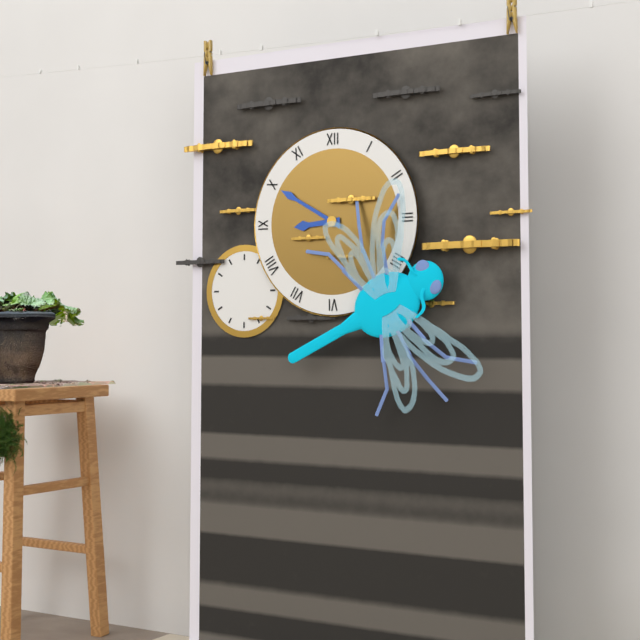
8:50
